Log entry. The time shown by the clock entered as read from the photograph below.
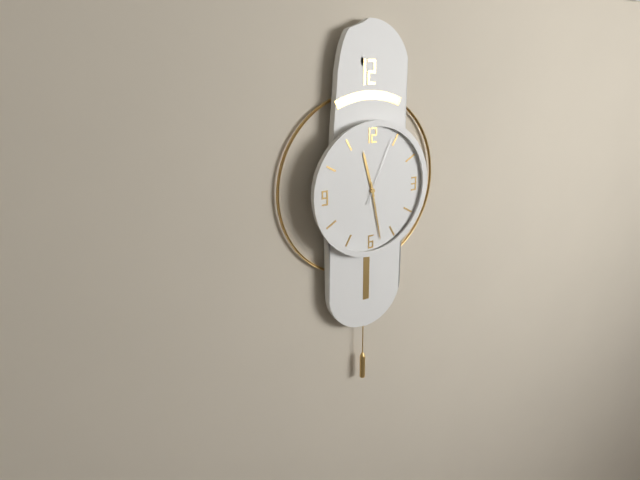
11:28:04
